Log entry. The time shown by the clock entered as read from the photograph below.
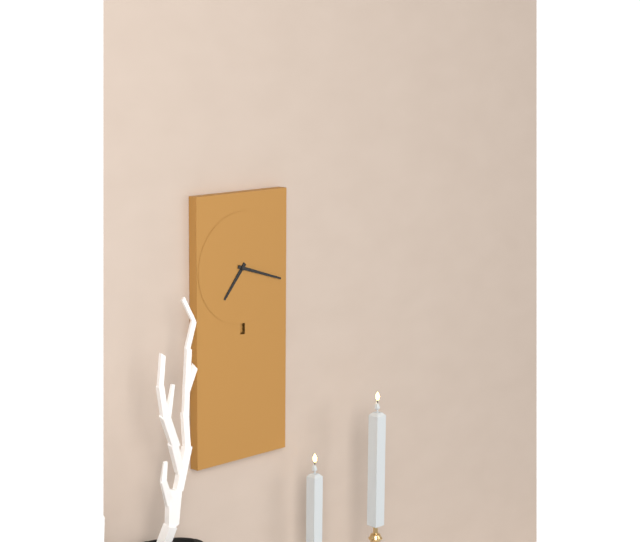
7:18
